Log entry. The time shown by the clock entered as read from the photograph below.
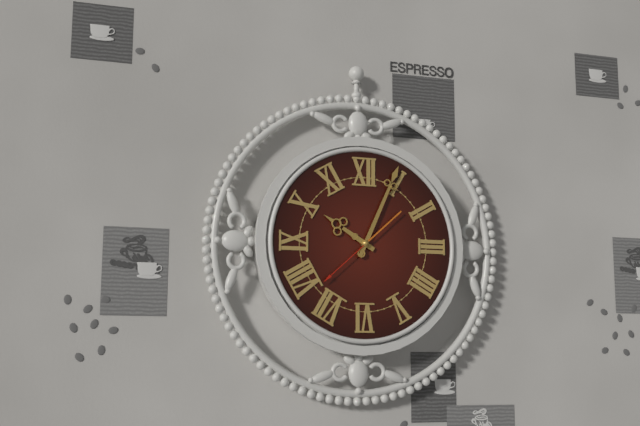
10:04:38
